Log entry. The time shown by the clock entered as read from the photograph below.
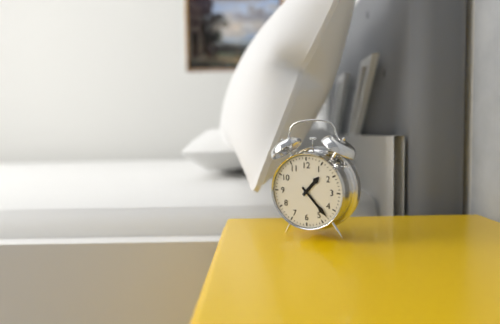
1:23
